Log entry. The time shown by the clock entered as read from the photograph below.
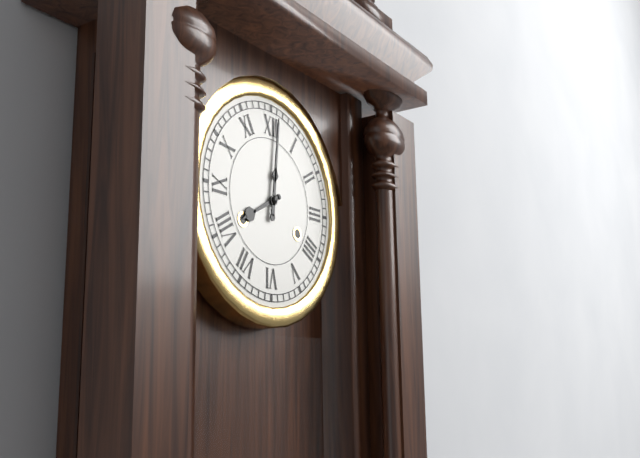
8:01
